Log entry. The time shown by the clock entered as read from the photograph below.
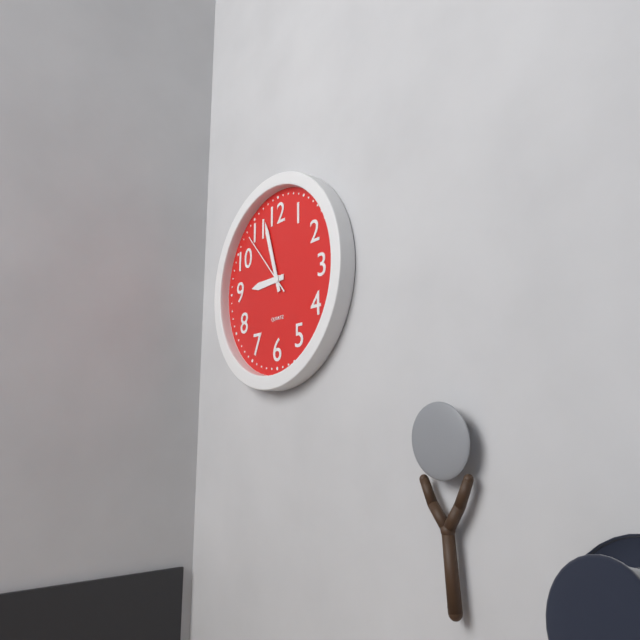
8:57:53
